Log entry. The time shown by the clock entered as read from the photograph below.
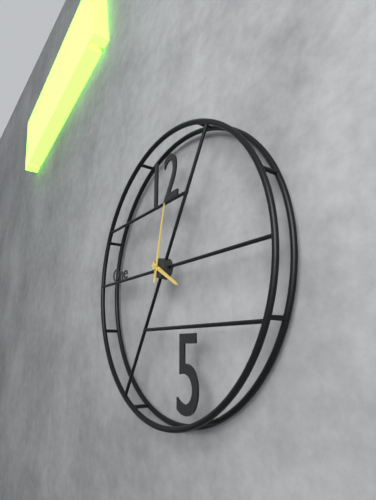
4:02
